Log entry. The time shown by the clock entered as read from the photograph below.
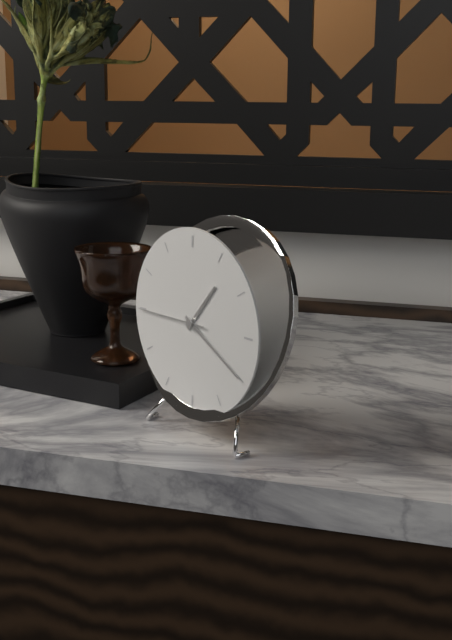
1:20:45
